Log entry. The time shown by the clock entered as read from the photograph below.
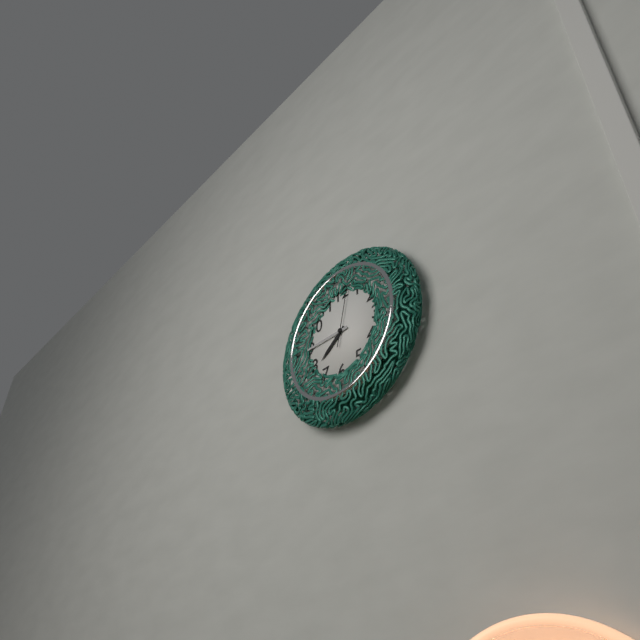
7:45:02
